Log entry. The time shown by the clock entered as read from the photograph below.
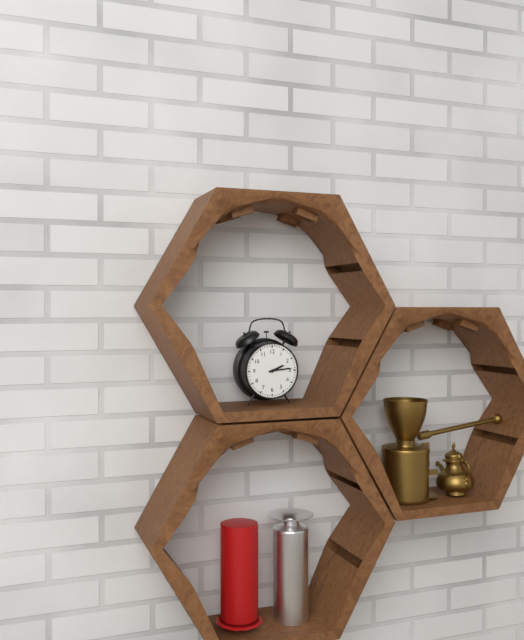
2:14
